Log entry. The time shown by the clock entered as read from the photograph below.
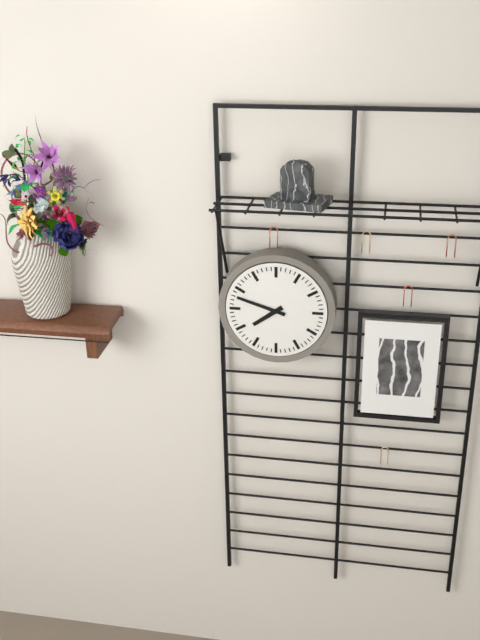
7:48
